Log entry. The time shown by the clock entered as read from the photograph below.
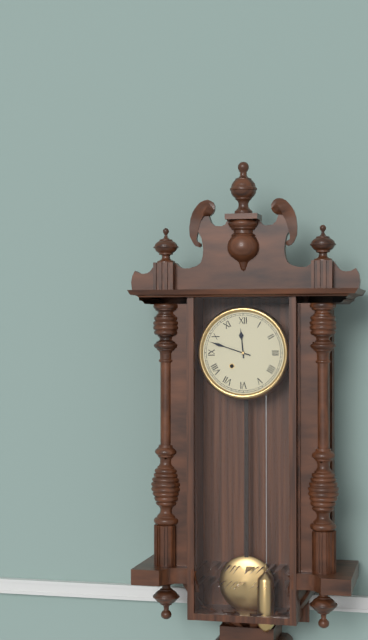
11:48
